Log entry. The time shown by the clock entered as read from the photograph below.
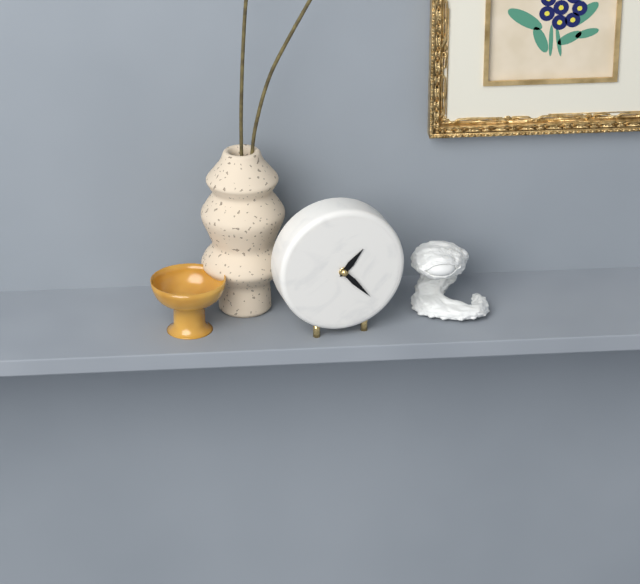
1:23
